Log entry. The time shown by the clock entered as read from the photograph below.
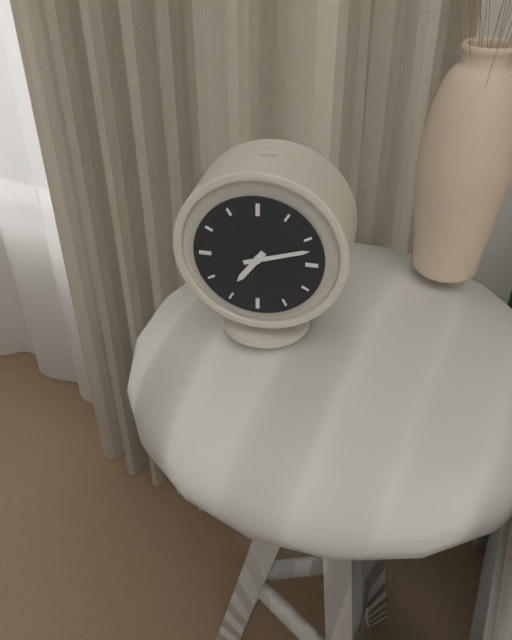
7:12
